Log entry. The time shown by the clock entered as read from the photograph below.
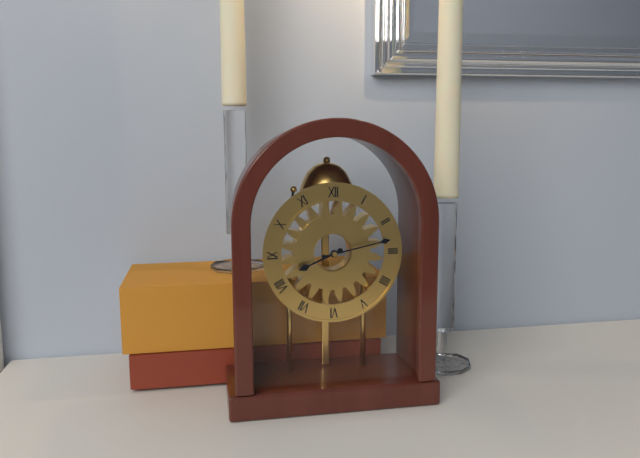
8:13
